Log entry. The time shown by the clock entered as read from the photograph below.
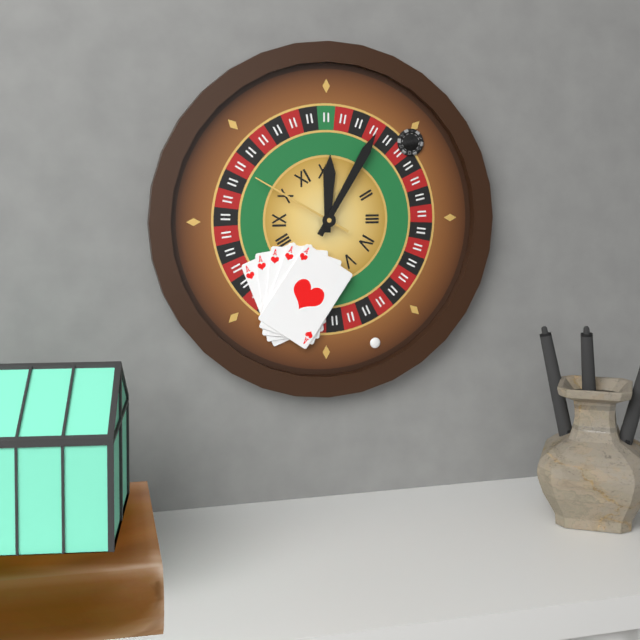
12:05:50
